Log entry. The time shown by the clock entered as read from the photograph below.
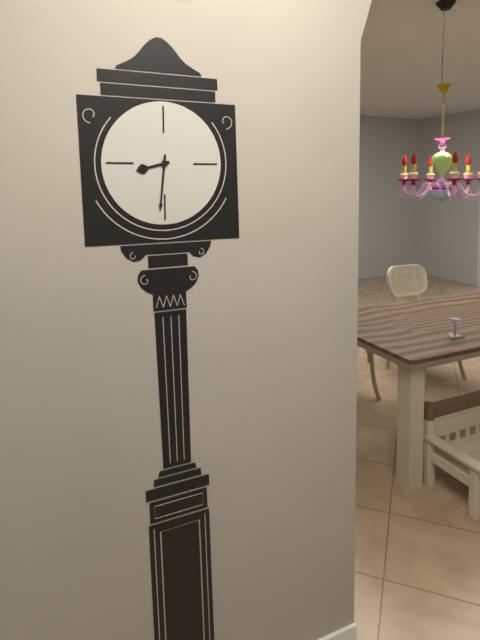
8:31
